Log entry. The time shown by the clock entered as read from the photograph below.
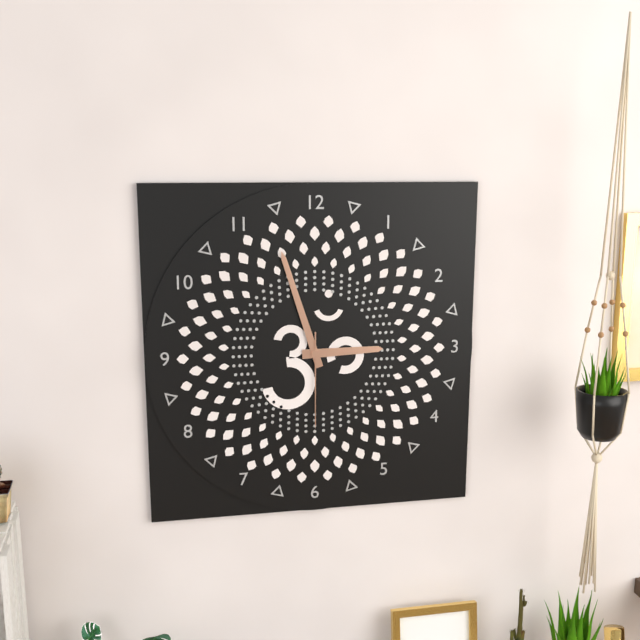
2:57:30
